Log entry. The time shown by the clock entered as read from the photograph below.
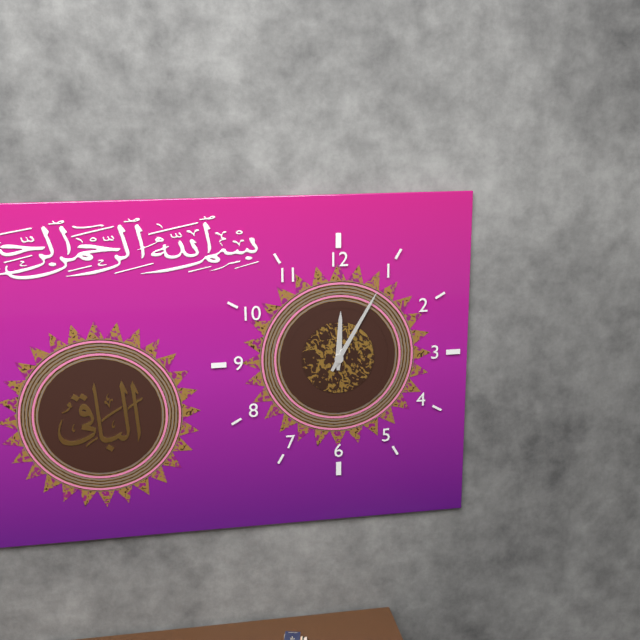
12:05
